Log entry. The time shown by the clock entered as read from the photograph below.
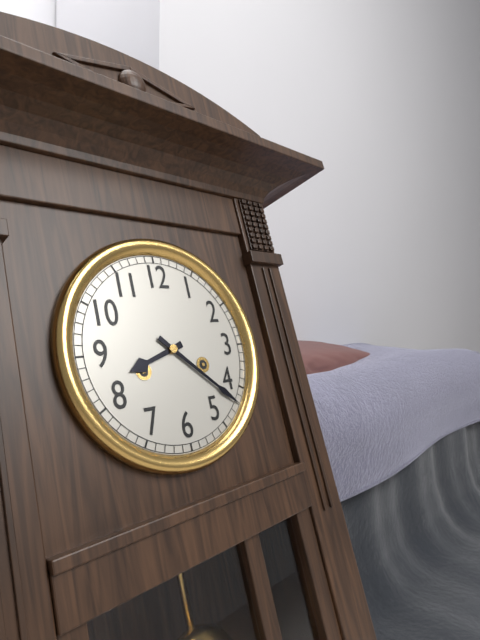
8:22
